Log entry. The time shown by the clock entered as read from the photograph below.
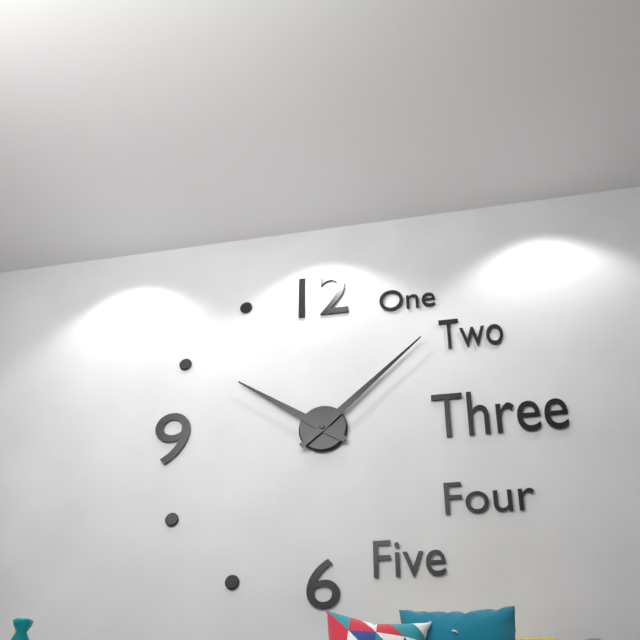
10:08
